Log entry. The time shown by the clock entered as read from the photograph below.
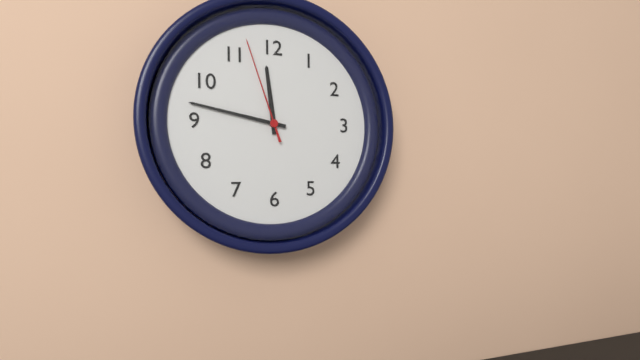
11:47:57
